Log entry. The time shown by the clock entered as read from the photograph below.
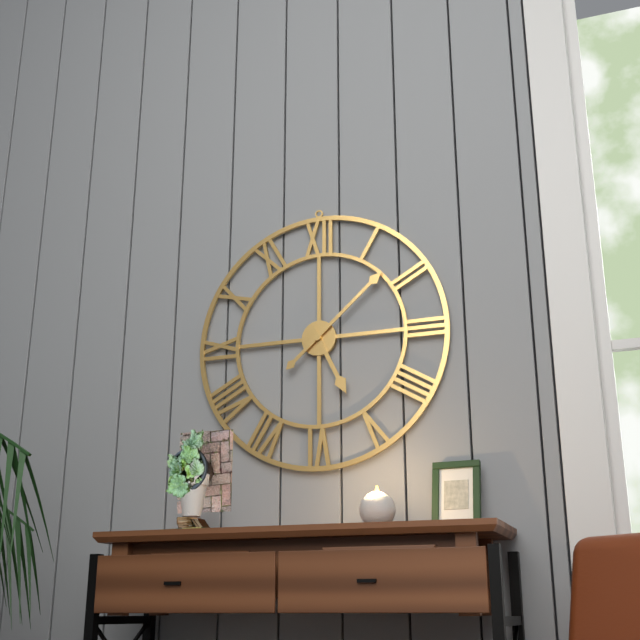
5:08
